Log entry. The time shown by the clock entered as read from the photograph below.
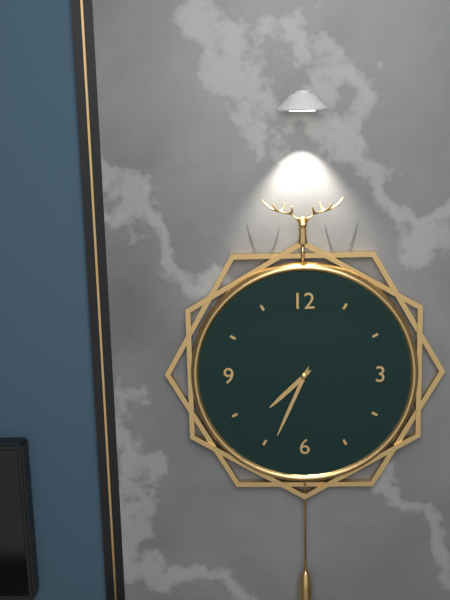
7:34
